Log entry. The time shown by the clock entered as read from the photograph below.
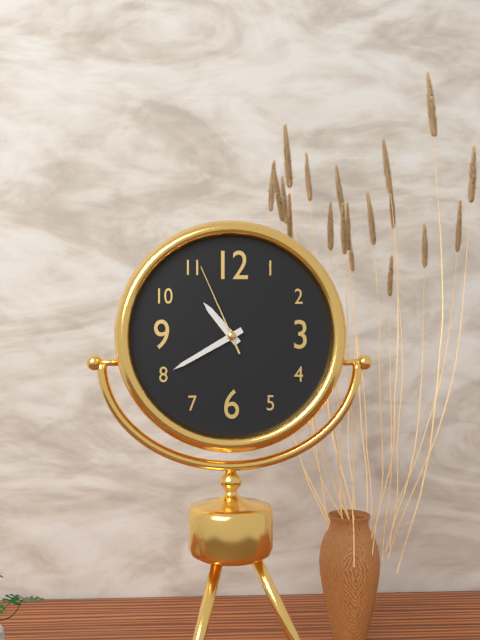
10:40:56
